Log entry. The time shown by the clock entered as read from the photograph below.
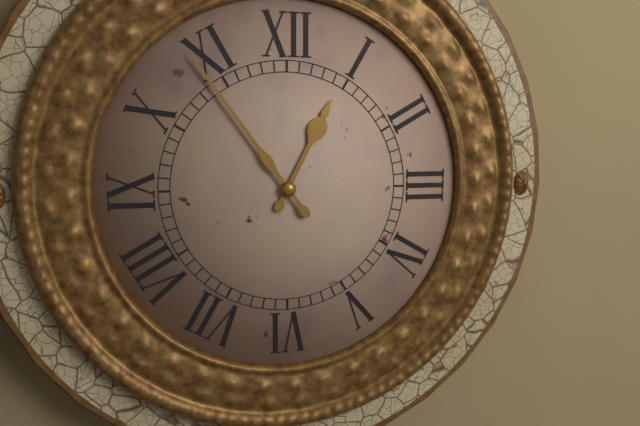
12:54
